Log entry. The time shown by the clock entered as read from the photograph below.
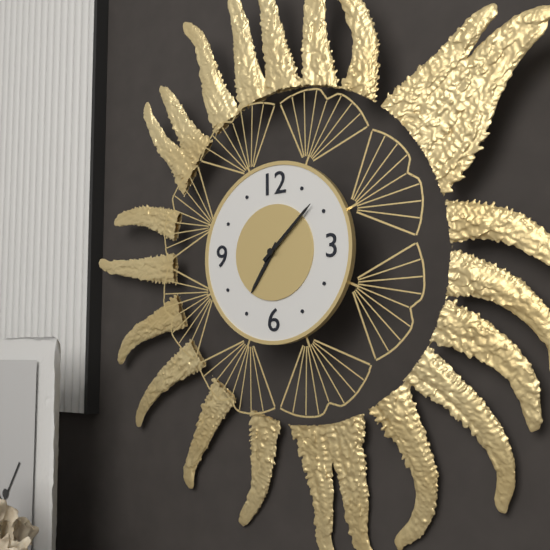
7:08
